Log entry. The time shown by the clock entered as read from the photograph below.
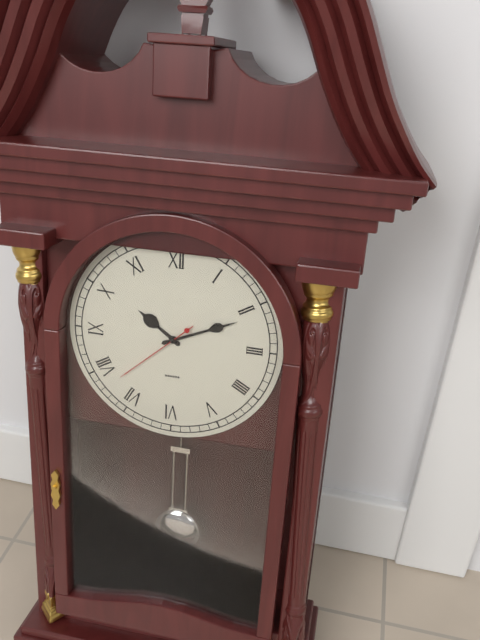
10:11:38
